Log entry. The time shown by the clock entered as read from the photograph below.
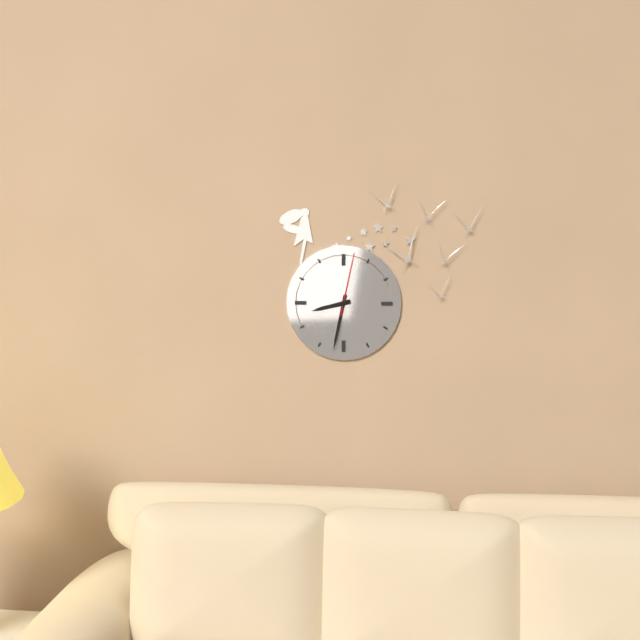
8:32:02
